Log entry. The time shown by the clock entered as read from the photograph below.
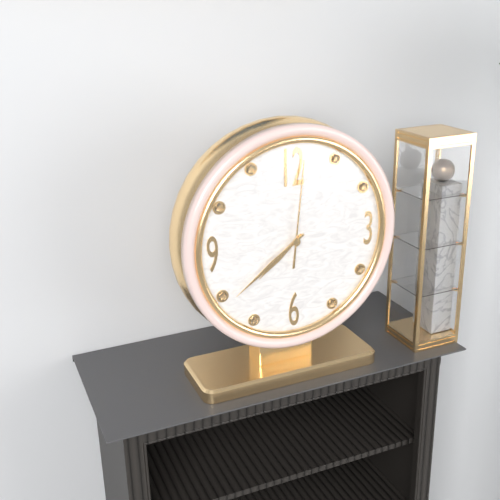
7:39:01
